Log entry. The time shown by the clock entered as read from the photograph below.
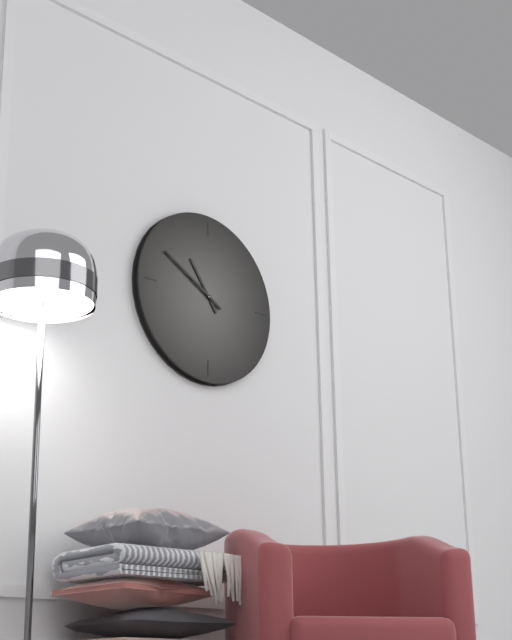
10:50
